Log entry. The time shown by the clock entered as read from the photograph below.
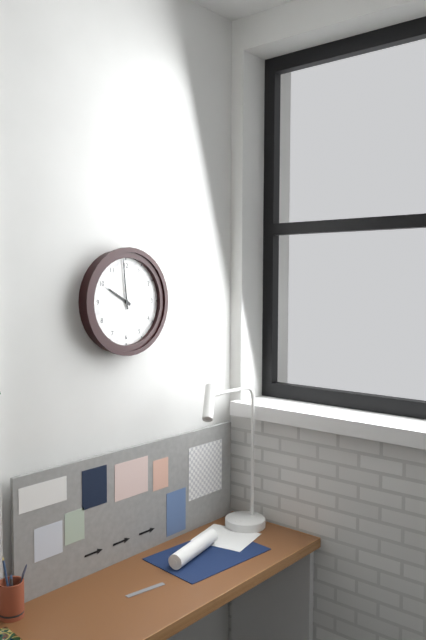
9:59
